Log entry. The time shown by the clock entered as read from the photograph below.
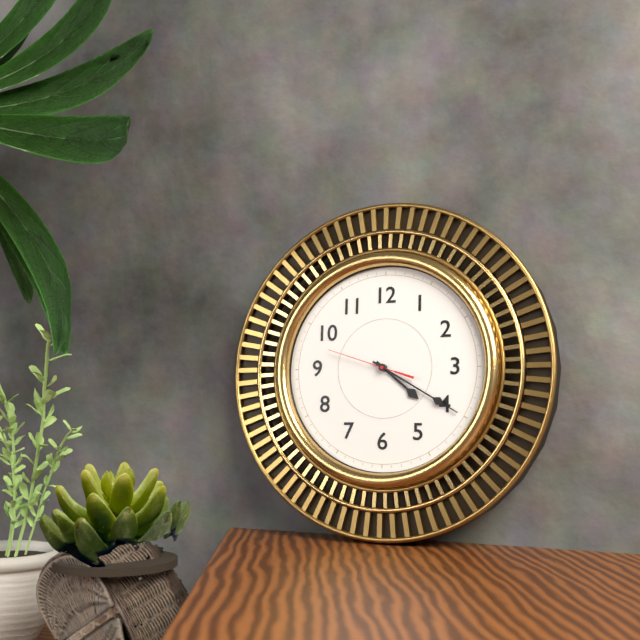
4:20:48
